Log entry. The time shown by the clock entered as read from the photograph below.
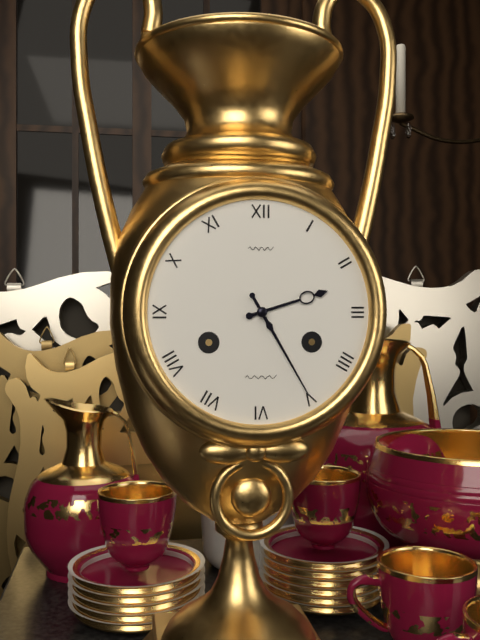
2:25
